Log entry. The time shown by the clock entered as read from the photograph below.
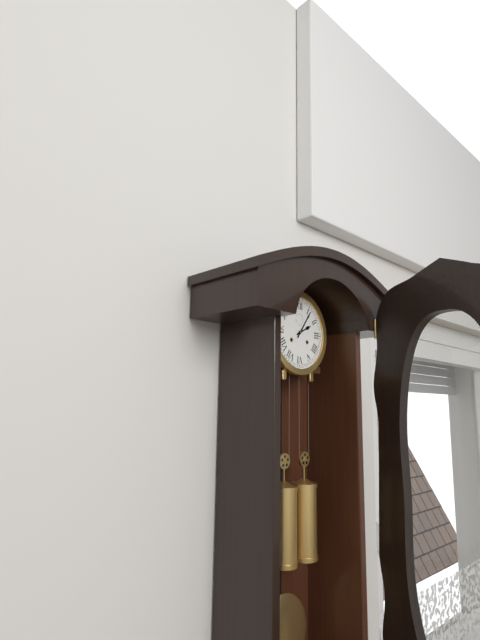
2:06
